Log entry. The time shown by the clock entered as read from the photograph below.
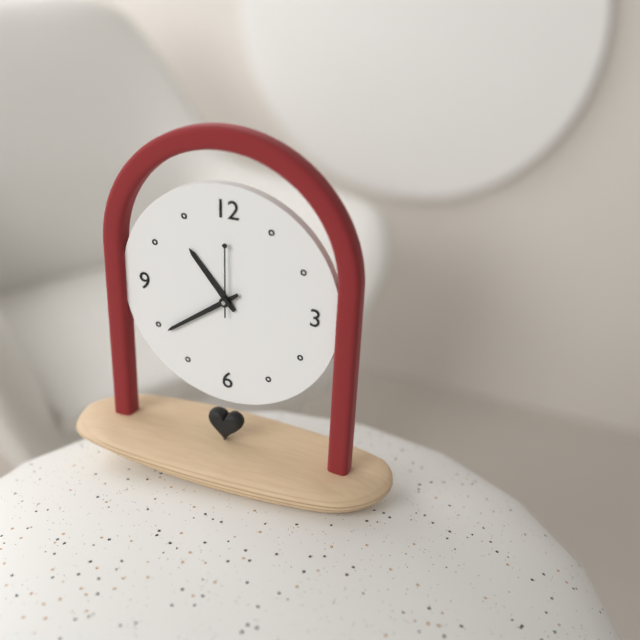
10:39:00
